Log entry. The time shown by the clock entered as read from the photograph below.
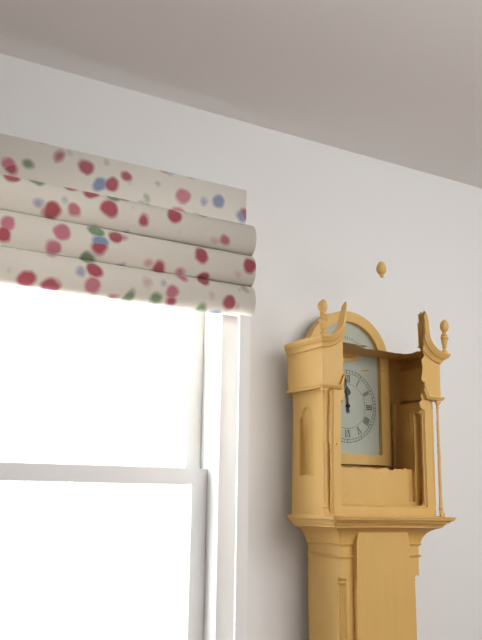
11:59
